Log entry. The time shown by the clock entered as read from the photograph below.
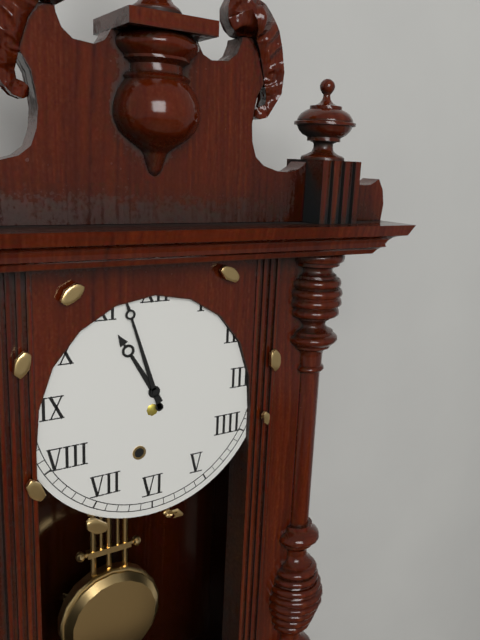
10:57
